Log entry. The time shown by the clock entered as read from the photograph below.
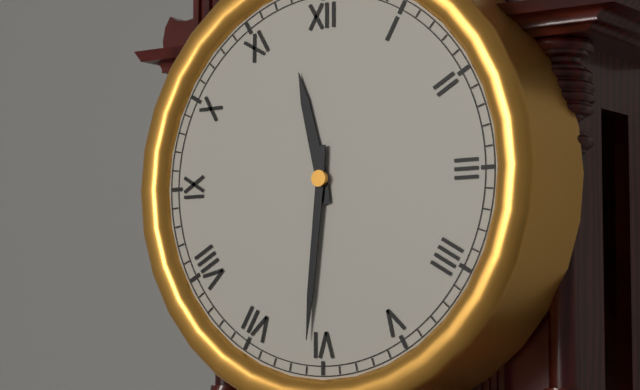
11:31
